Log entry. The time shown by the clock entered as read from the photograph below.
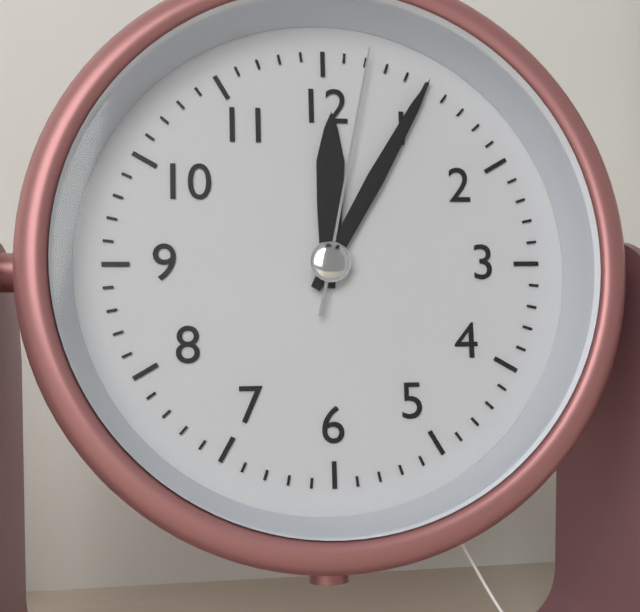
12:05:02
